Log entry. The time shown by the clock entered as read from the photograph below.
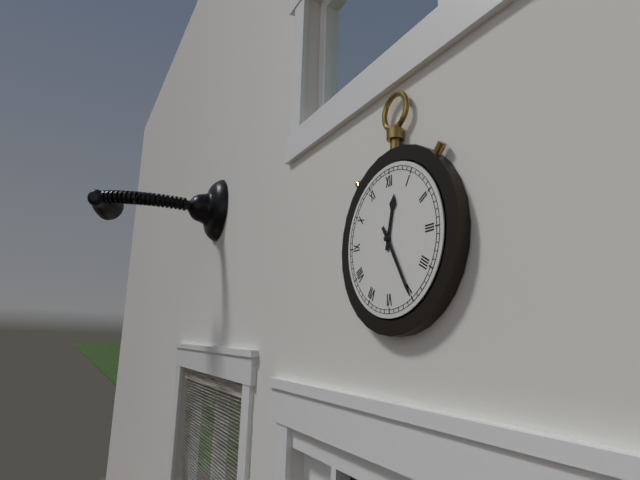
12:25
